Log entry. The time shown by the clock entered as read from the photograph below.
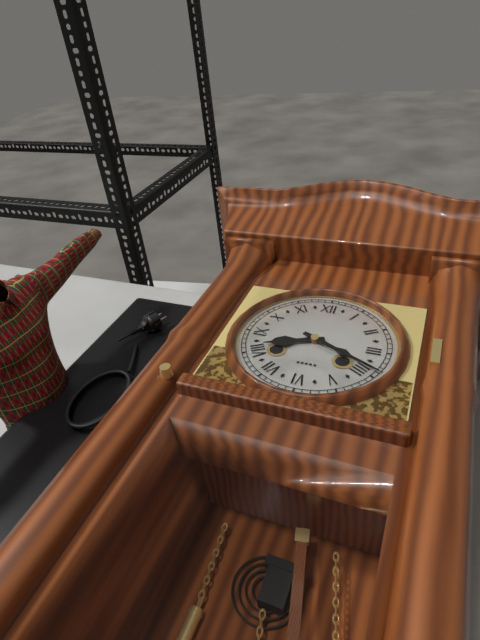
8:19
